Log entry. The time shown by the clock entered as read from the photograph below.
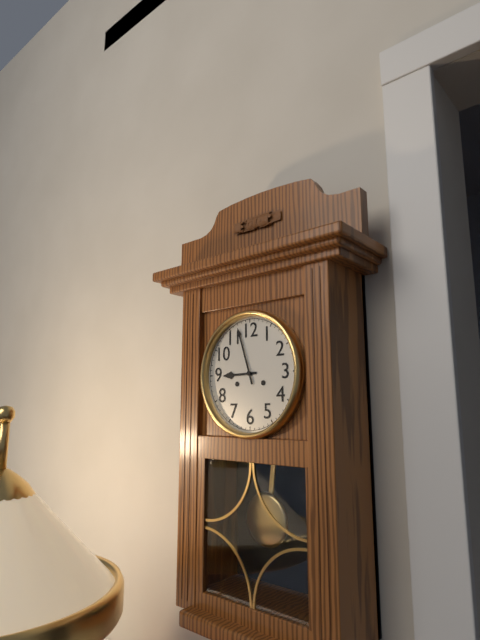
8:57
